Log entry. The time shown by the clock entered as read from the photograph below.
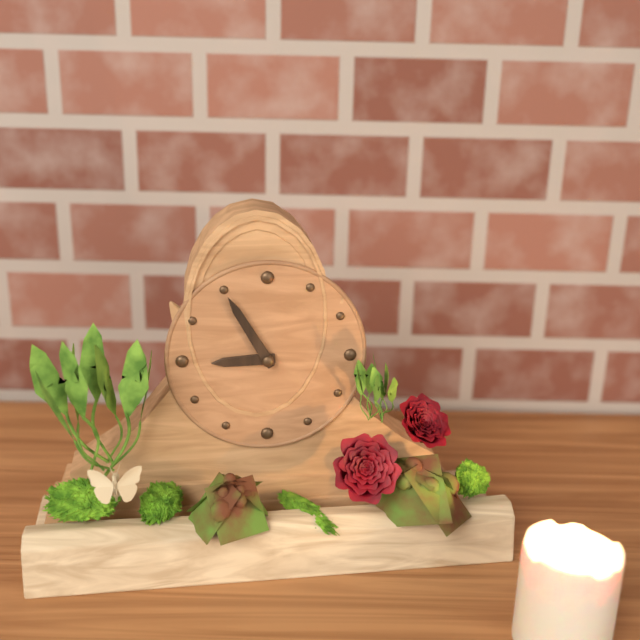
8:55
